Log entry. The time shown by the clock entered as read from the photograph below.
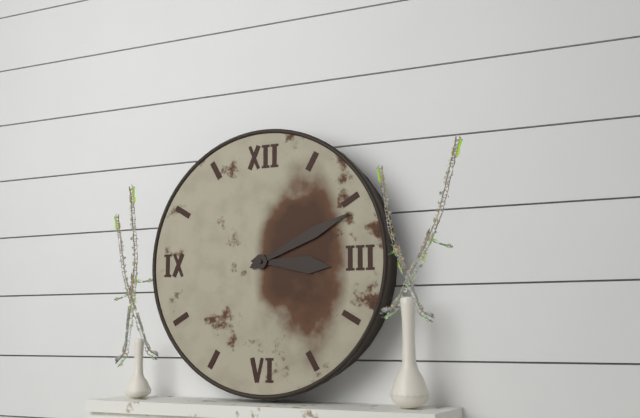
3:11
